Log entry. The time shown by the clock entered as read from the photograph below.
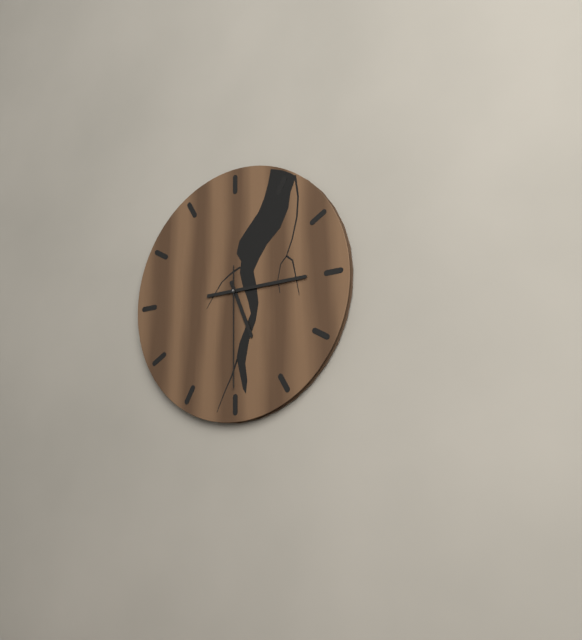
5:15:30
